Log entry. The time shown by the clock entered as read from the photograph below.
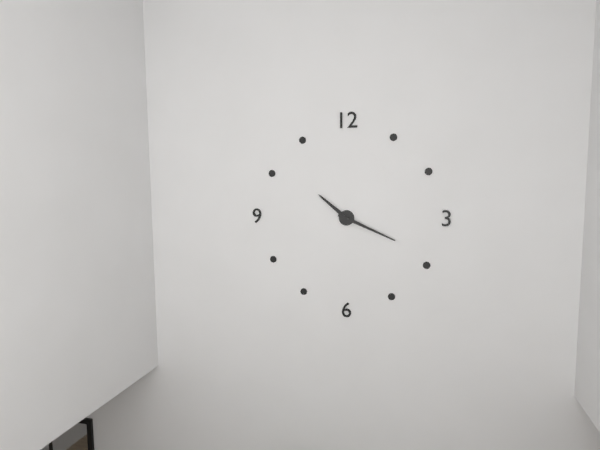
10:19
